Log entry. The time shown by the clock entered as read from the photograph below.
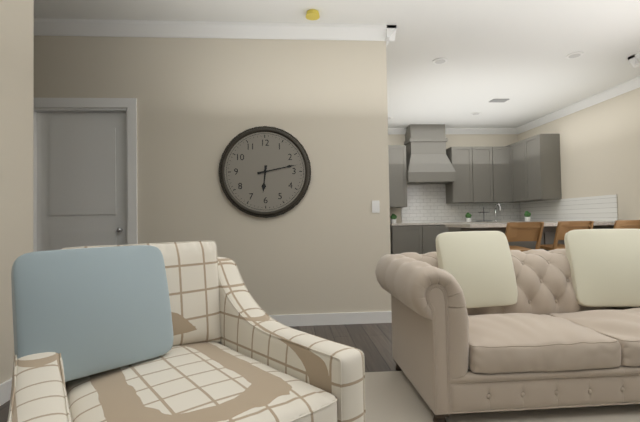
6:13
